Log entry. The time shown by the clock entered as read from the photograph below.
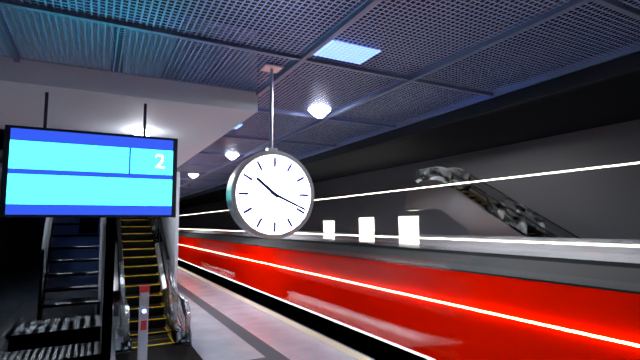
10:19
